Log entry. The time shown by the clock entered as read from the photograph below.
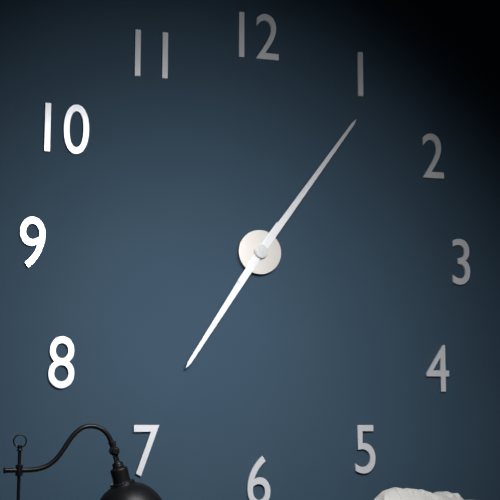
7:06
